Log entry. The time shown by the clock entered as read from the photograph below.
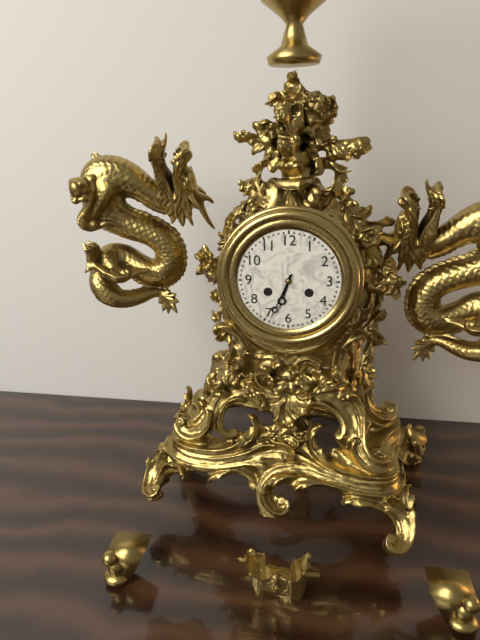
6:34
